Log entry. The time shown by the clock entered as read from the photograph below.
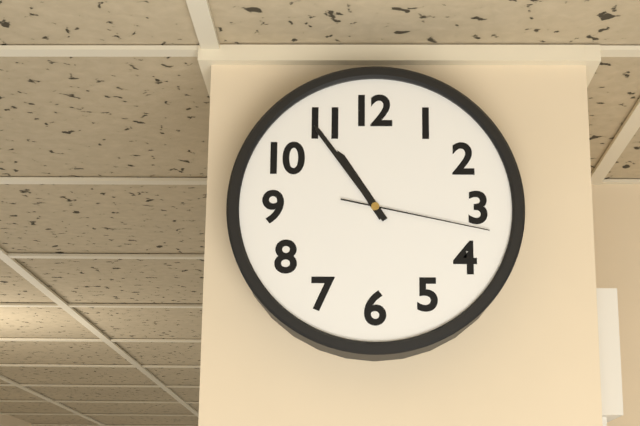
10:54:17
